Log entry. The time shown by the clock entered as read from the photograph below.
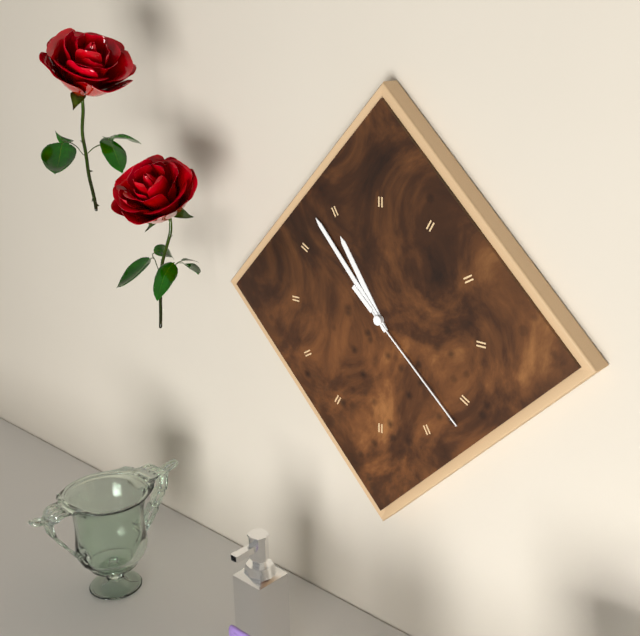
10:53:22
